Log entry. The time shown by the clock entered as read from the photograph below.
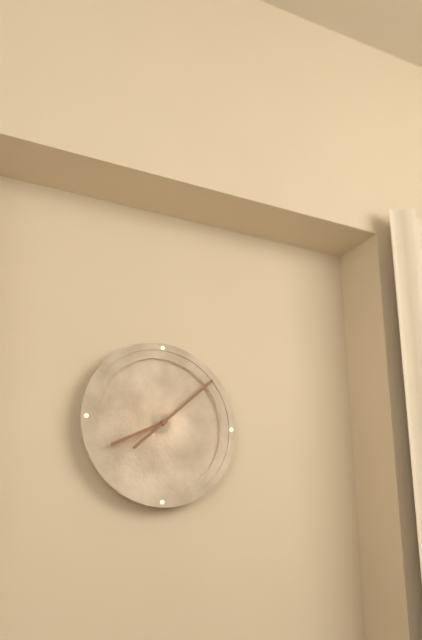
8:08
